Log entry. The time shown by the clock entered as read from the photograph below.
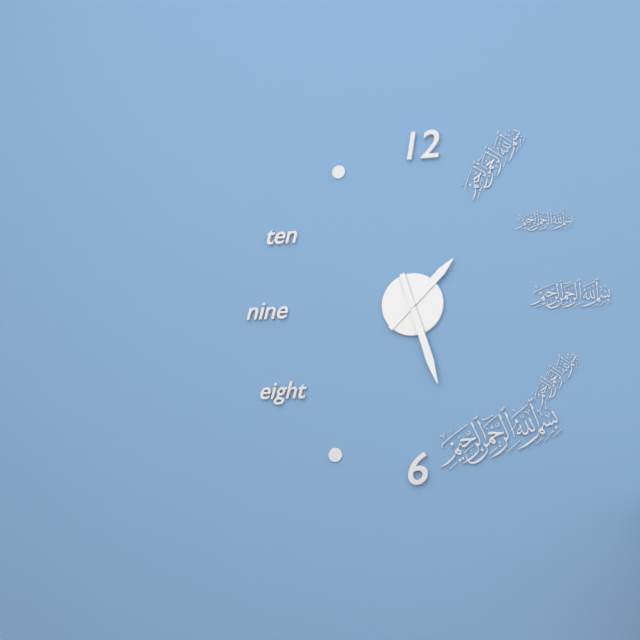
1:27
